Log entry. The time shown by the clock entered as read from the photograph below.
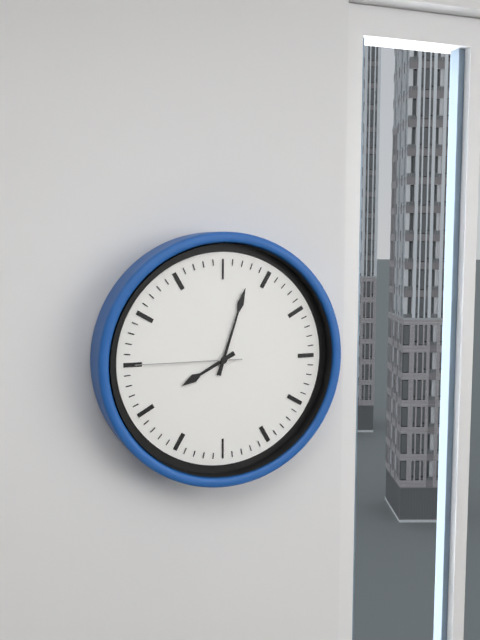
8:03:45
